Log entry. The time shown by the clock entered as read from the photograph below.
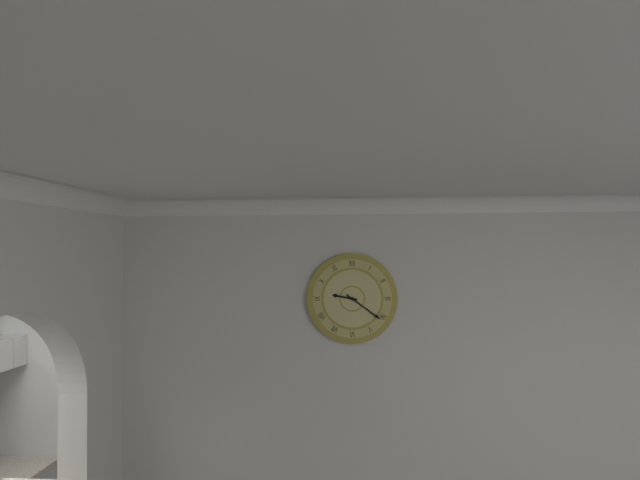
9:21
